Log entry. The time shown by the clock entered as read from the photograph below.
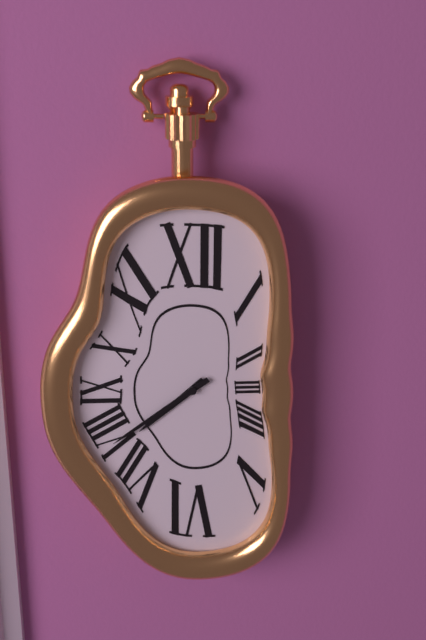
7:39
